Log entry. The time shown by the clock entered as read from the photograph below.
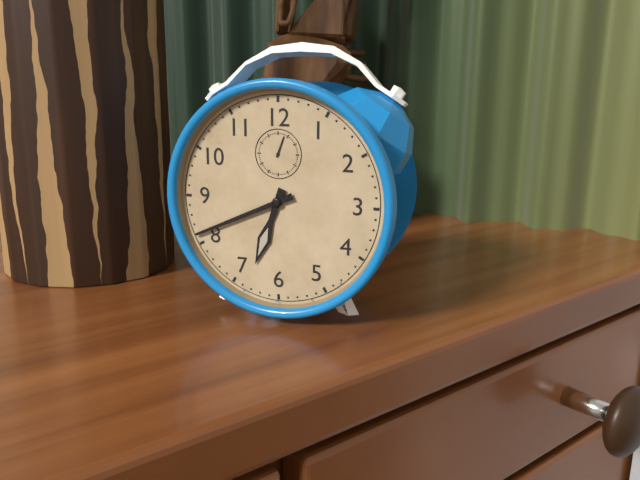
6:41
